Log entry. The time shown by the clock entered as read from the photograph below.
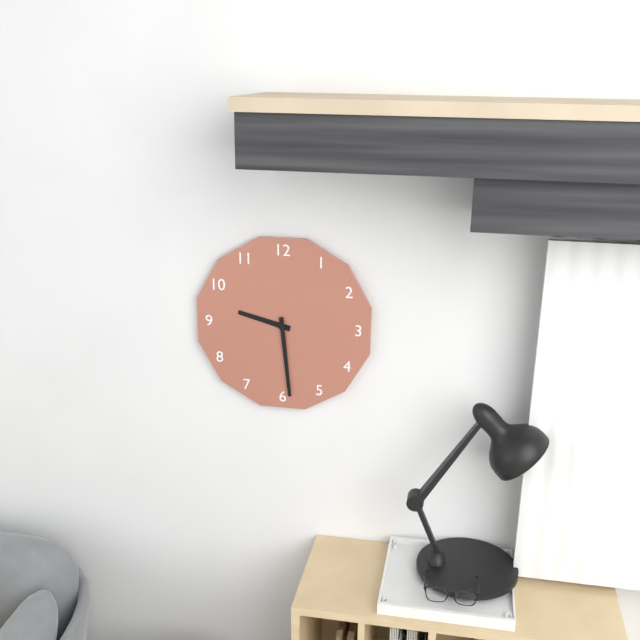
9:29
